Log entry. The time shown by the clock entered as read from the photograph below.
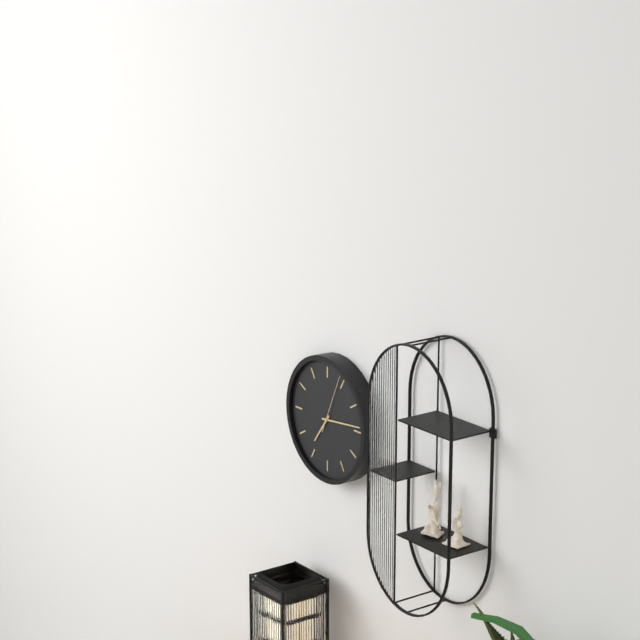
7:14:04
